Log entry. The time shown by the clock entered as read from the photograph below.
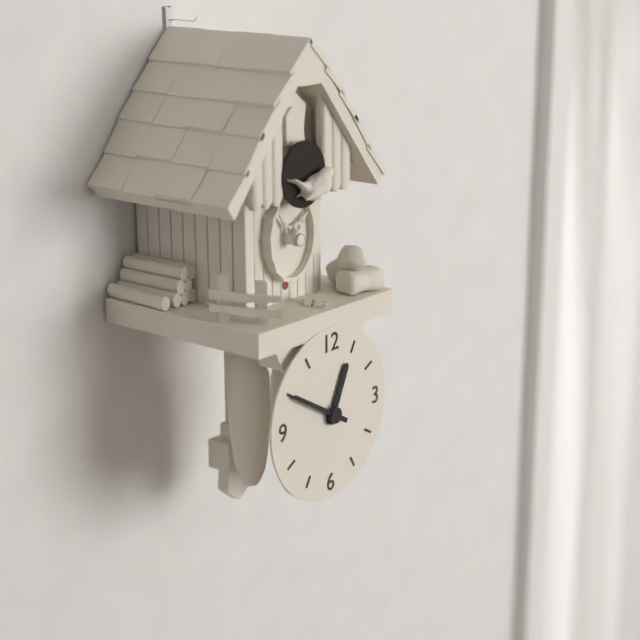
12:50
